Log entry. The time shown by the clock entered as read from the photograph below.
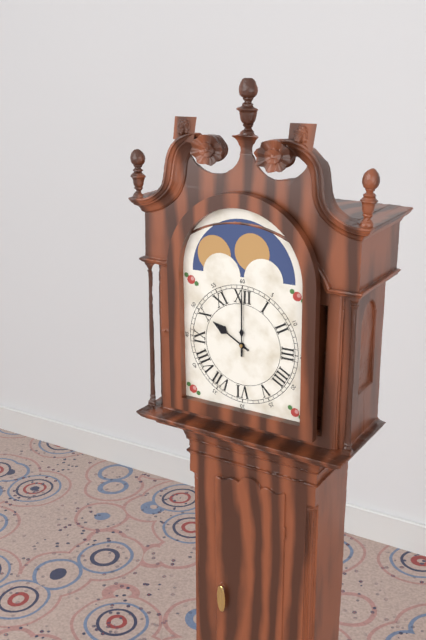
10:00
